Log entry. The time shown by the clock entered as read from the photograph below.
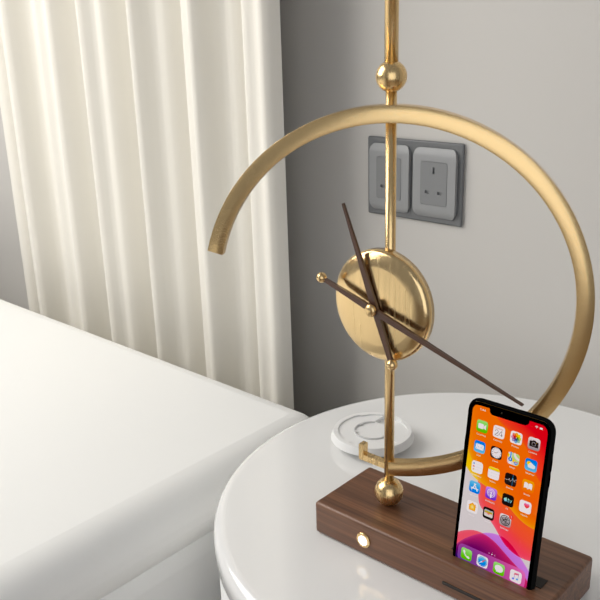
11:18
